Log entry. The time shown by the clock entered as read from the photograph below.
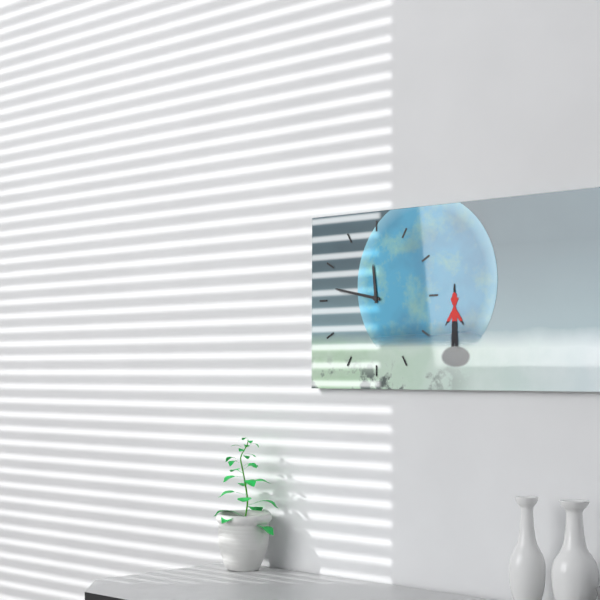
11:47
